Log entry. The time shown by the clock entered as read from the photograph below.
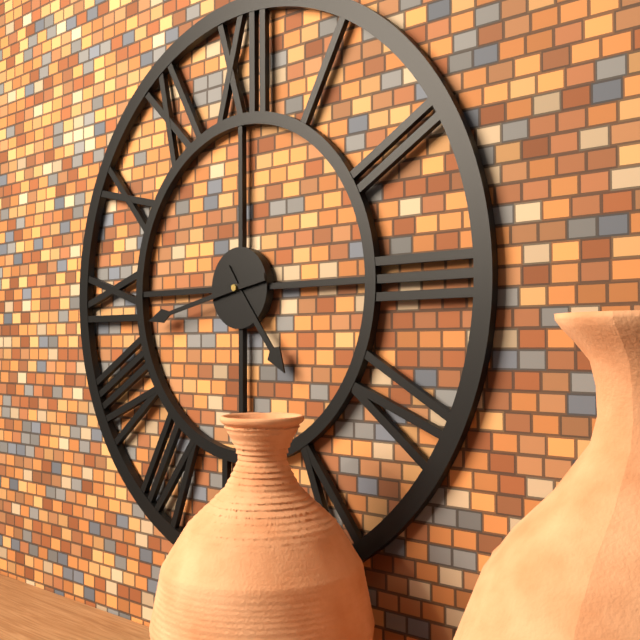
4:43
